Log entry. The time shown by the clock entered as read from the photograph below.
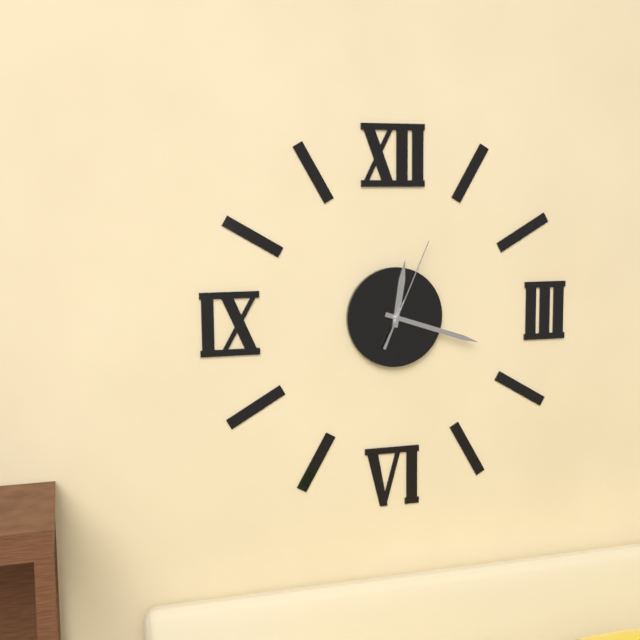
12:18:04
